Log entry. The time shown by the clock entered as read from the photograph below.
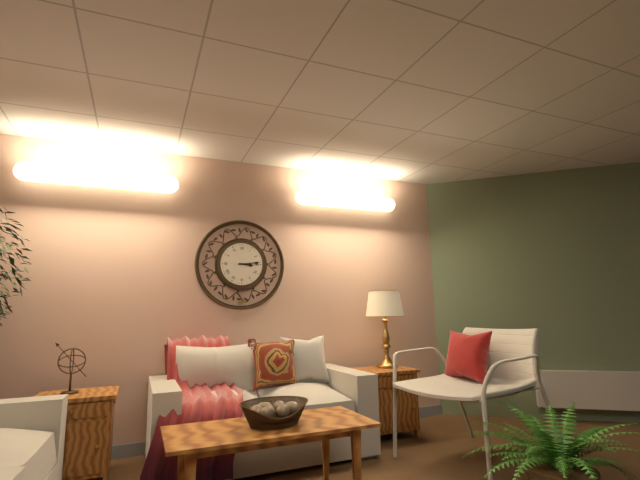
3:14
